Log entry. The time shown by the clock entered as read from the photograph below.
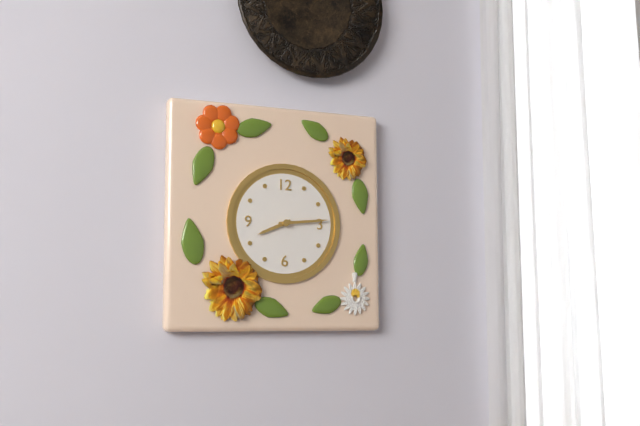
8:14
